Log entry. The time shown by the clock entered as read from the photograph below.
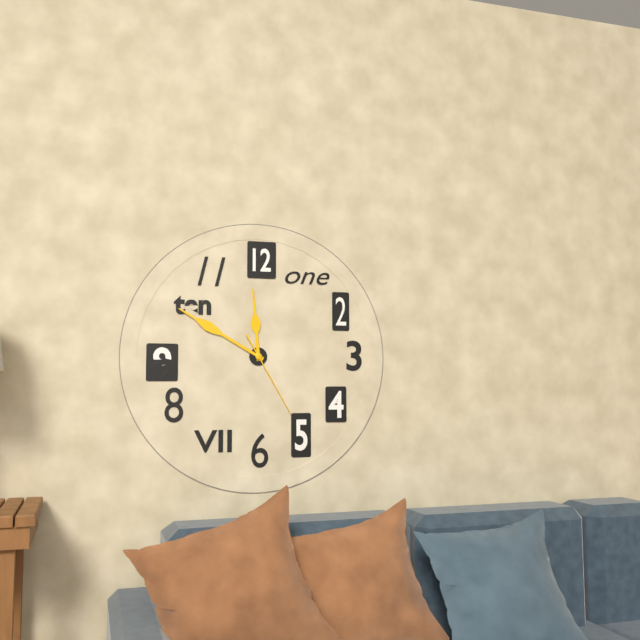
11:50:25
